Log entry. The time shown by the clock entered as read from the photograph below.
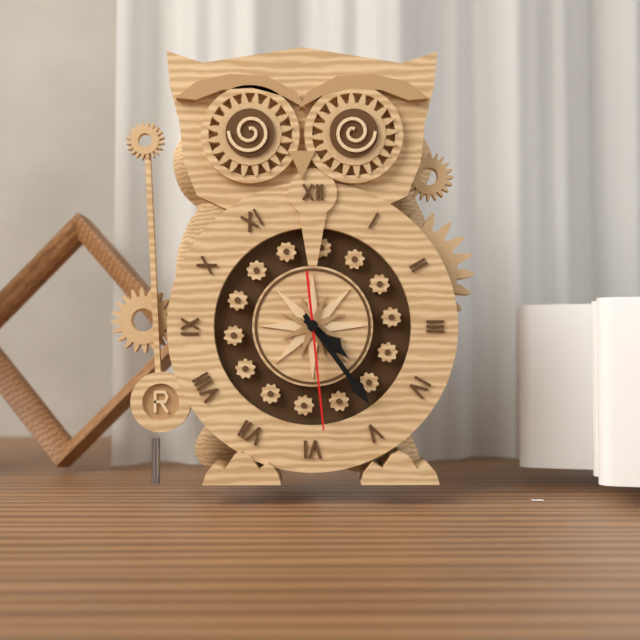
4:24:29
